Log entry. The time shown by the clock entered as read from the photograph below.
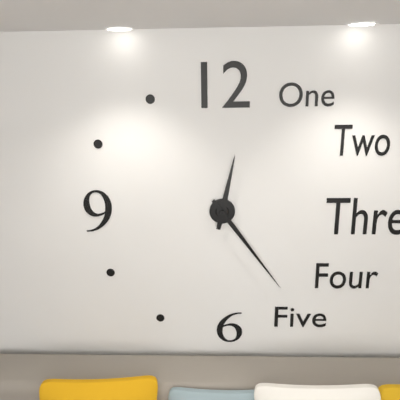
12:24
